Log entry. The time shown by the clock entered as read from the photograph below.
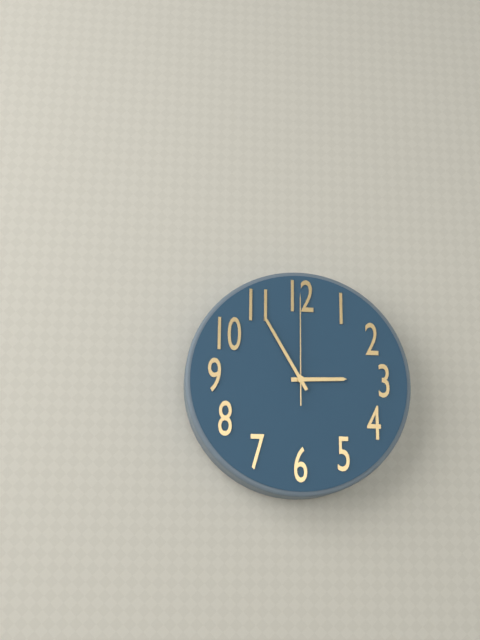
2:55:00
